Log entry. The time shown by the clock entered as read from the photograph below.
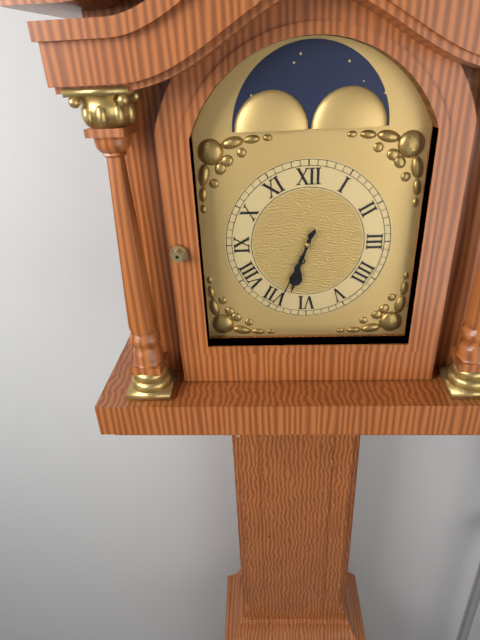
6:34
